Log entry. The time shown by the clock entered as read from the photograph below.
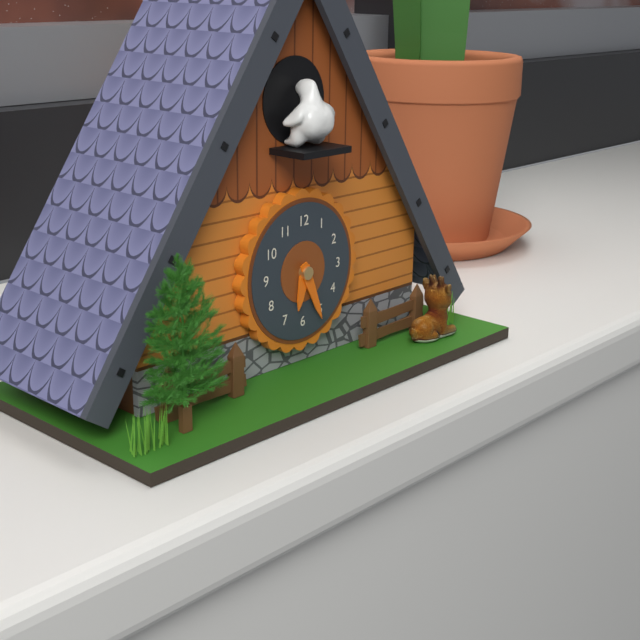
6:26
